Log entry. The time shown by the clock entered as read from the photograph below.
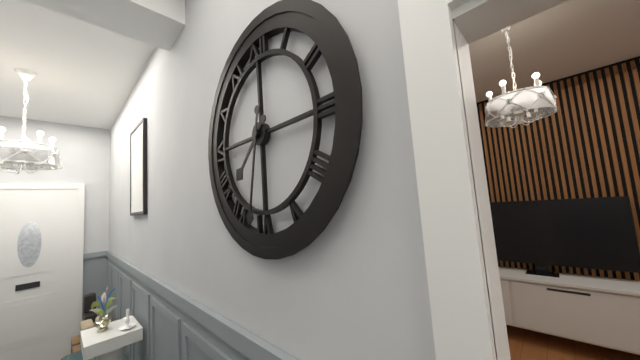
7:32
